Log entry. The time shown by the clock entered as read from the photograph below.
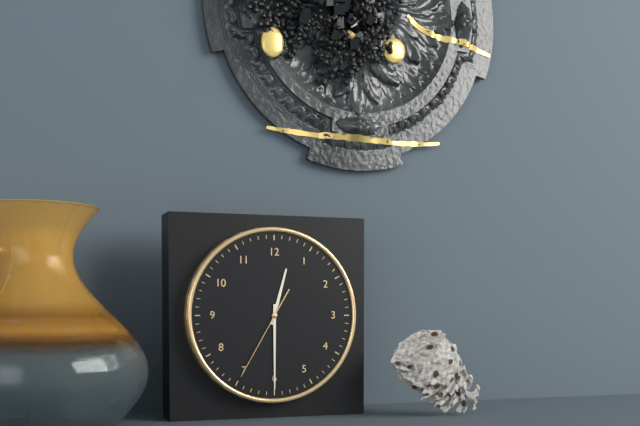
12:30:35
